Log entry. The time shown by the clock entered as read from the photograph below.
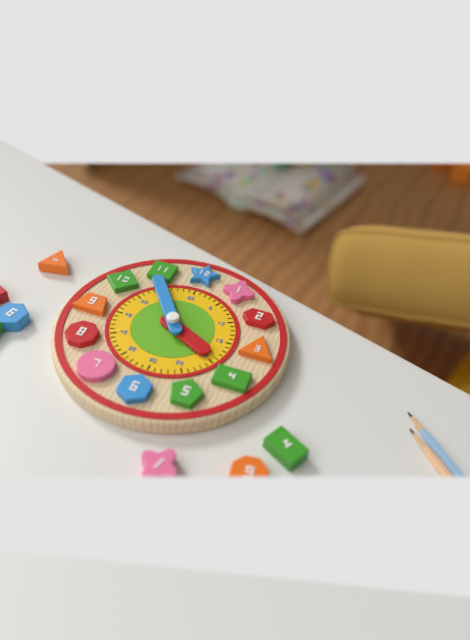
3:54
